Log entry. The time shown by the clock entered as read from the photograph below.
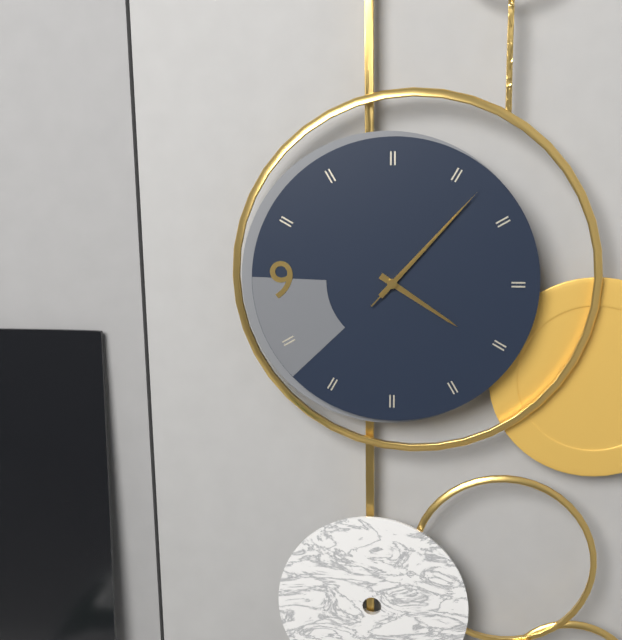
4:07:07
